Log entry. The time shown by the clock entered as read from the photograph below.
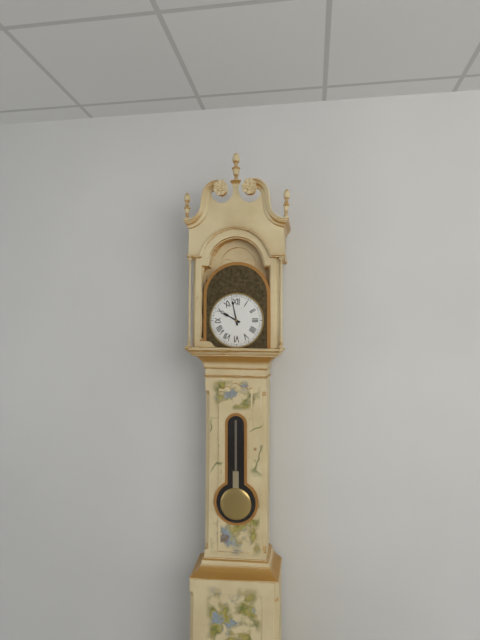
9:58
